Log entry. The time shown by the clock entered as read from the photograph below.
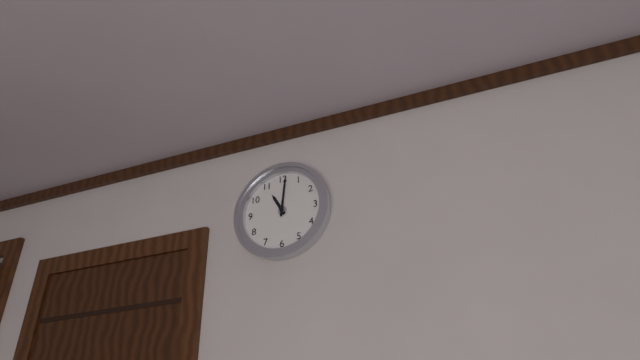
11:01
